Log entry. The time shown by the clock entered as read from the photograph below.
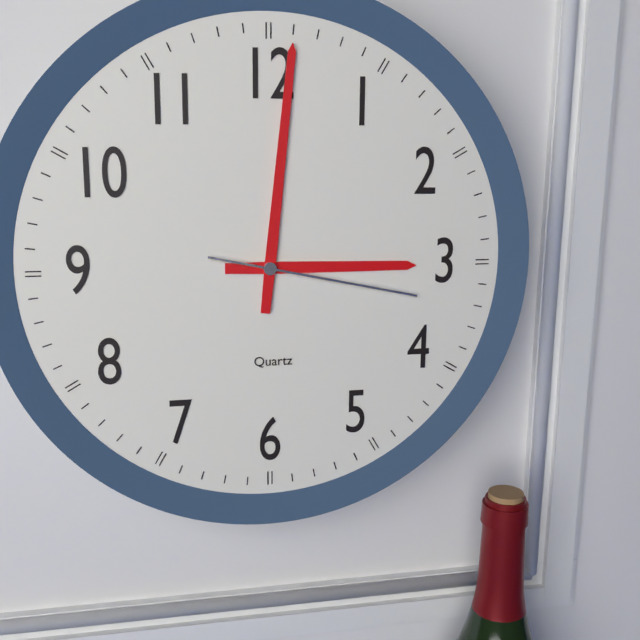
3:01:17
